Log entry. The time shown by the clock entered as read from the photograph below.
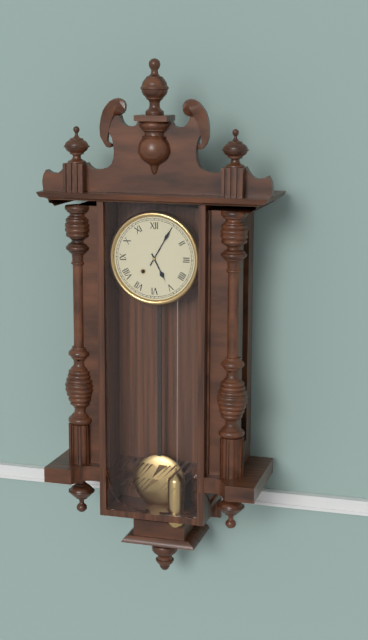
5:05
